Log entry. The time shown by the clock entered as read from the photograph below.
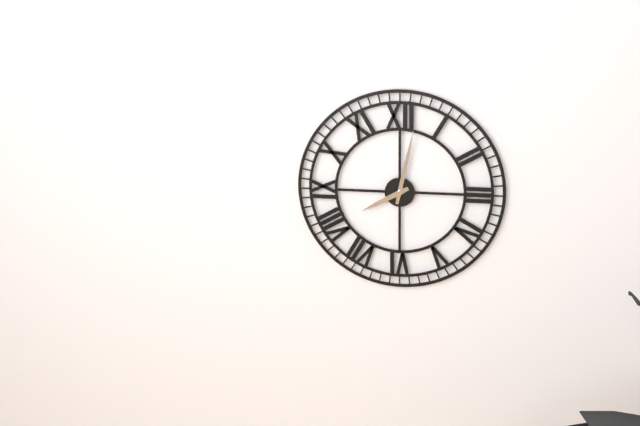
8:02
